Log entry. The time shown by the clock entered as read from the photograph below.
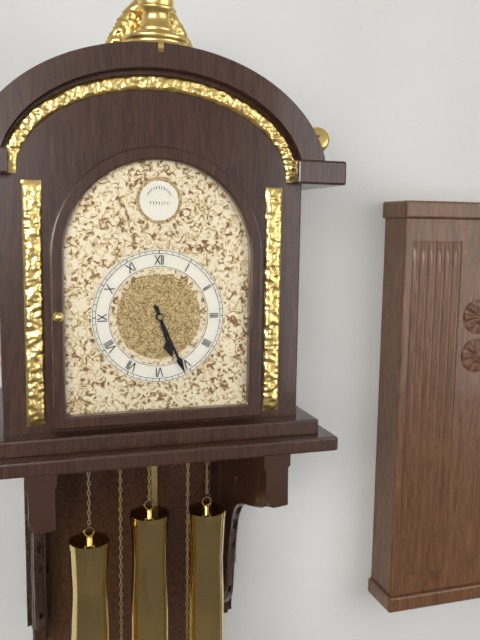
5:26
